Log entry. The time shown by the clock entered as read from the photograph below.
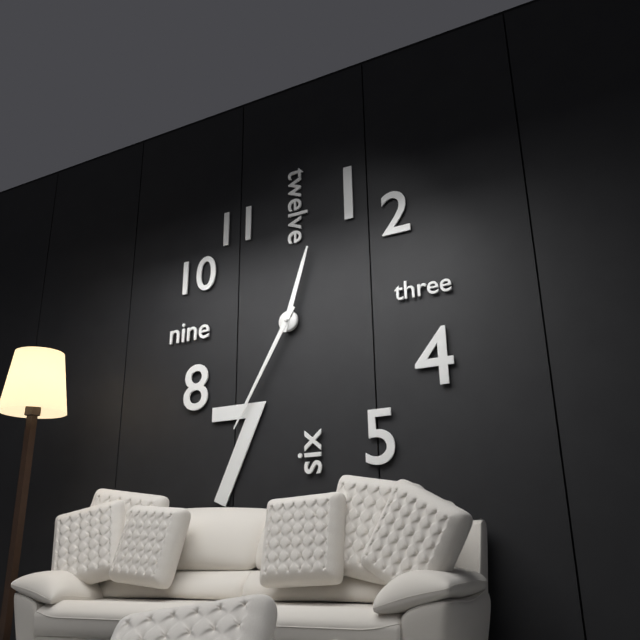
12:35
